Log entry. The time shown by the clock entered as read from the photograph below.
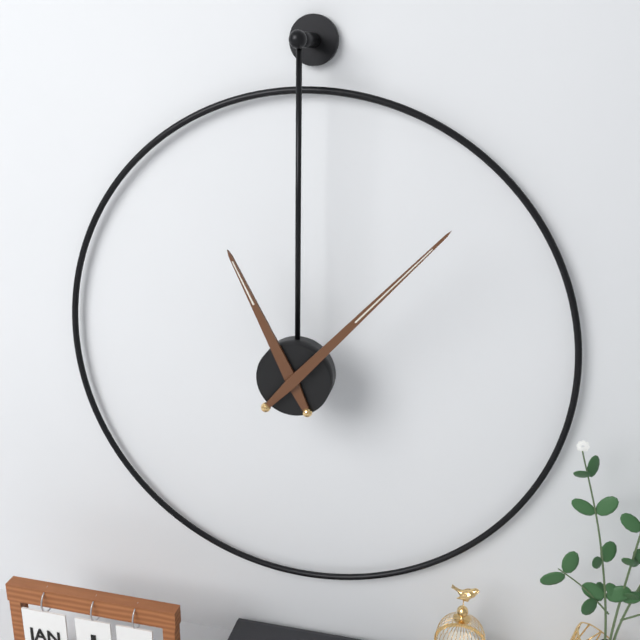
11:07
